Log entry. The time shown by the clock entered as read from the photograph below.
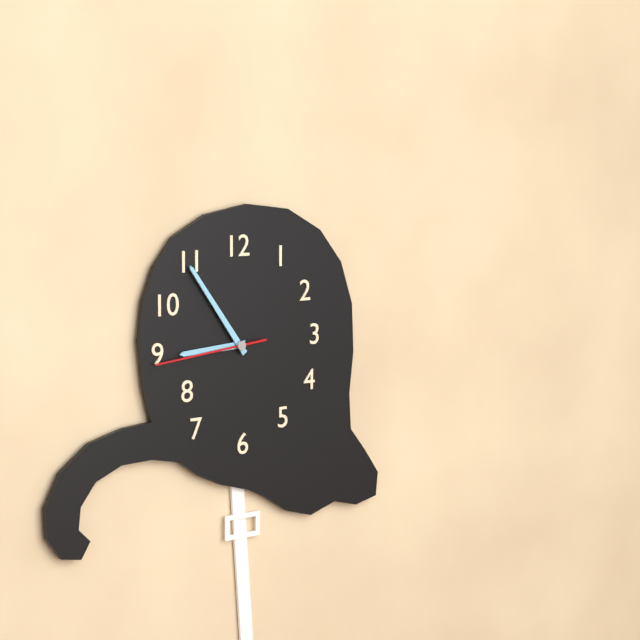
8:54:44
